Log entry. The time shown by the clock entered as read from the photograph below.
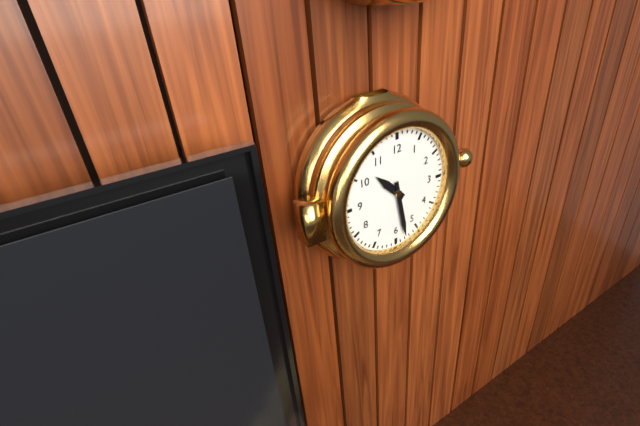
10:28
